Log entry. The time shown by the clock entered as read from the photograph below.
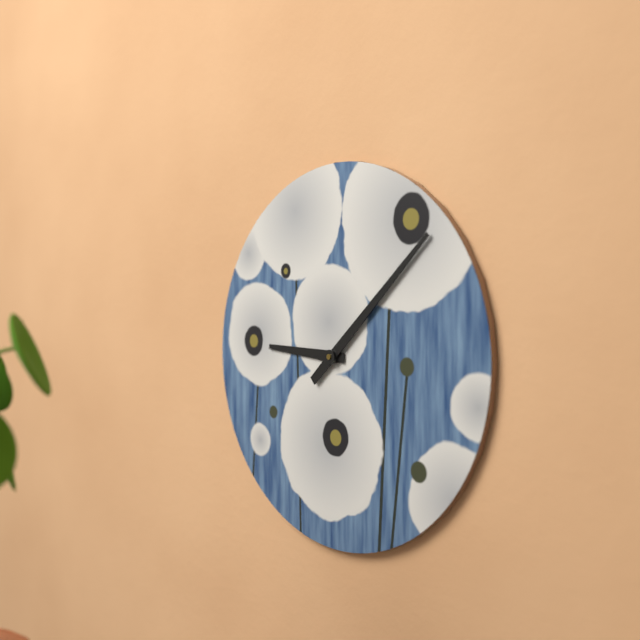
9:08
